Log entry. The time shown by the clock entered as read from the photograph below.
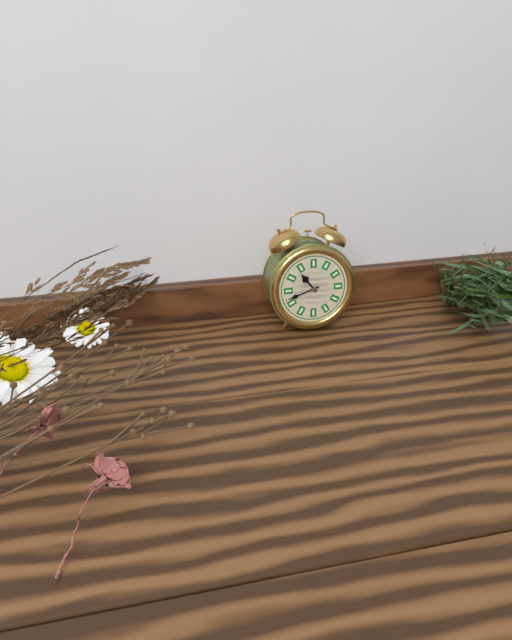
10:42
